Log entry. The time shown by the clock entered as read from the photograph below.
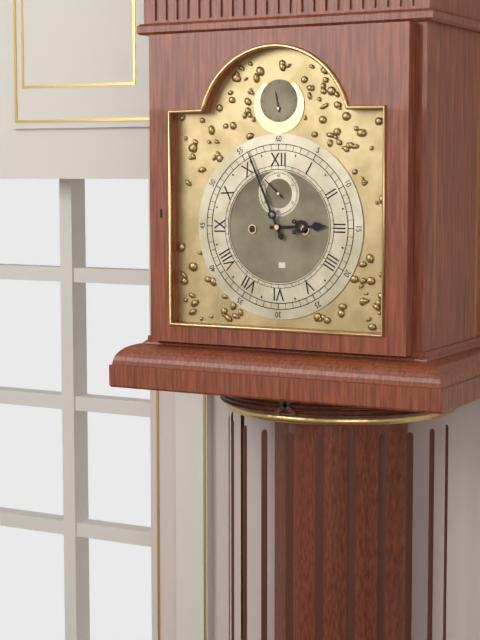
2:56
